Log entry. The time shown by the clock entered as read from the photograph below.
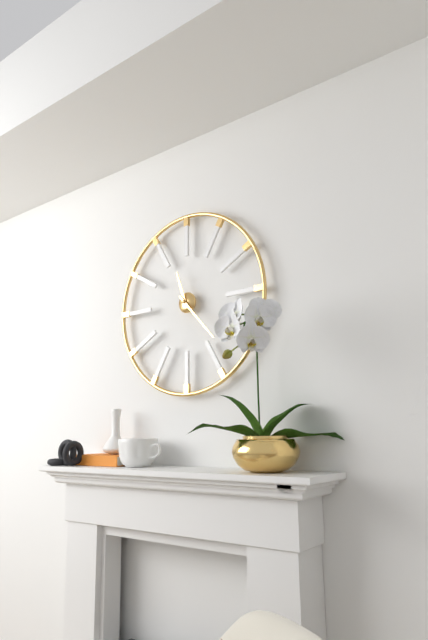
11:23
